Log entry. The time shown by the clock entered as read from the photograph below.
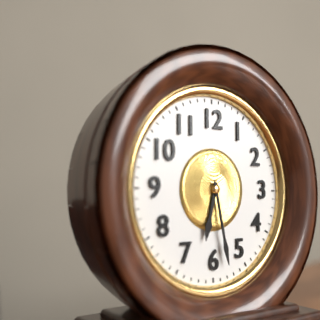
6:28
